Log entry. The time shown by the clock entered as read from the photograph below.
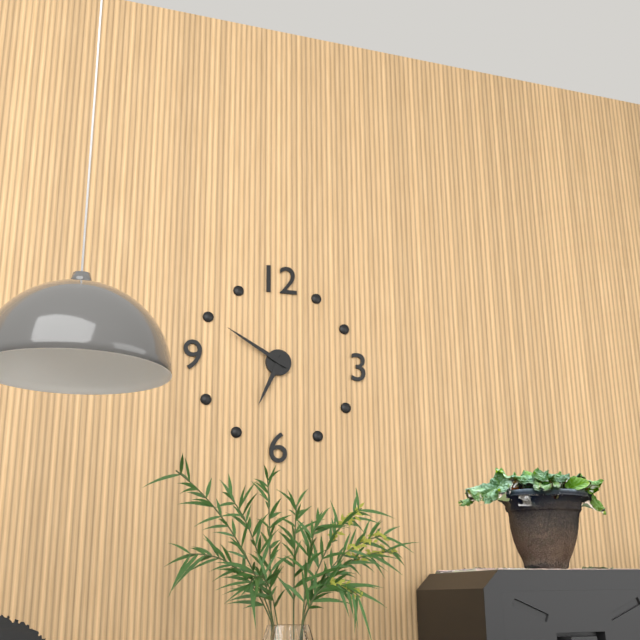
6:50
